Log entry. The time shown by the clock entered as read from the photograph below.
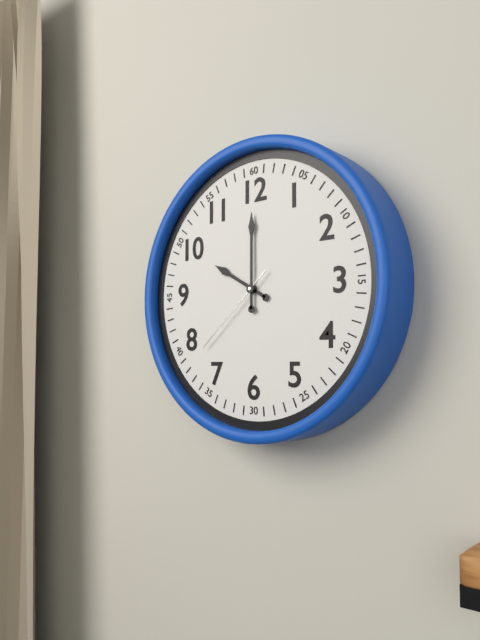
10:00:38
